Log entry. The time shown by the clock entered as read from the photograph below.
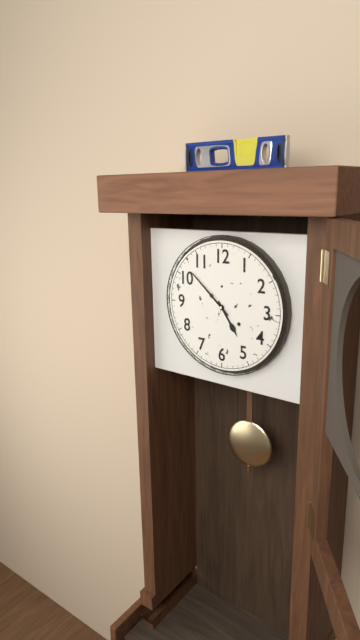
4:52
